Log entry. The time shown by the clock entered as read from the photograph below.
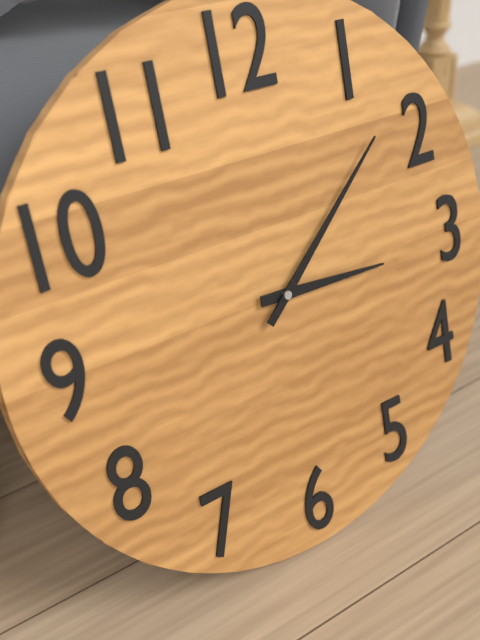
3:08
